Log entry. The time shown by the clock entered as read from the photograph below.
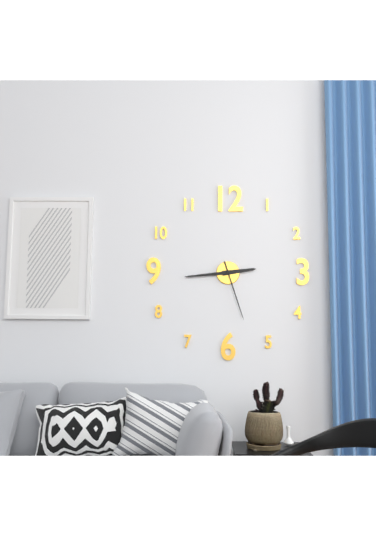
2:44:27
